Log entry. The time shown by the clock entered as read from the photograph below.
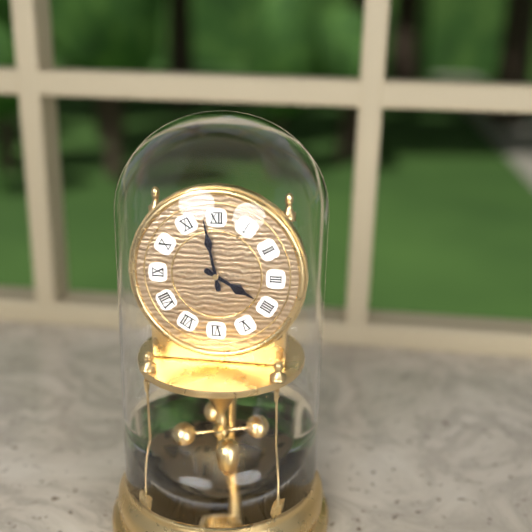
3:58
